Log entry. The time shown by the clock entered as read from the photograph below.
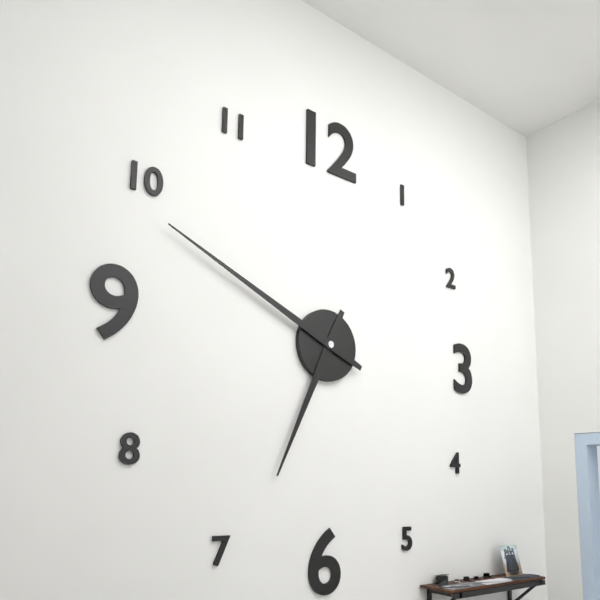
6:49
